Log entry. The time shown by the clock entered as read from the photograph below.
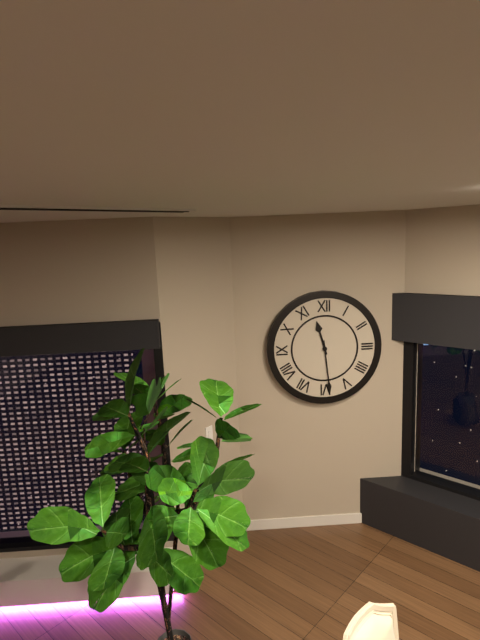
11:29
